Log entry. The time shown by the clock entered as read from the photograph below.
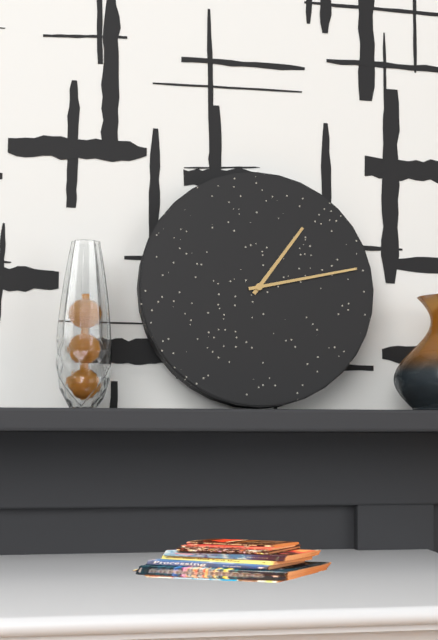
1:13
